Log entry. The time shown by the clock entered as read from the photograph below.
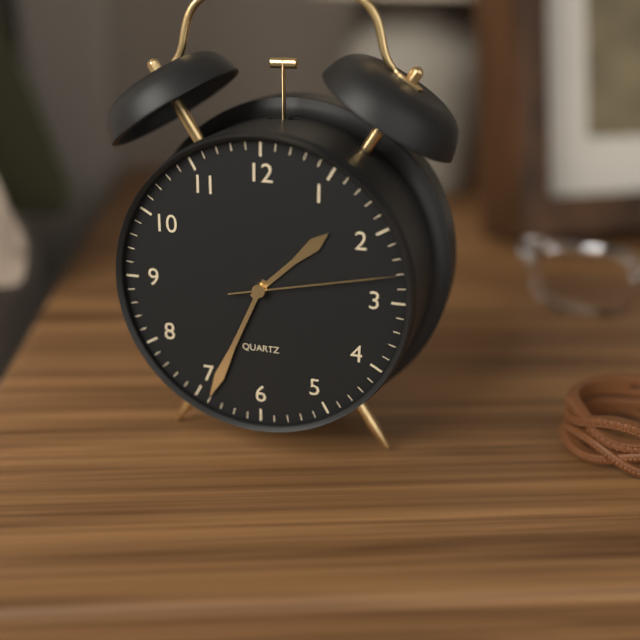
1:34:13
